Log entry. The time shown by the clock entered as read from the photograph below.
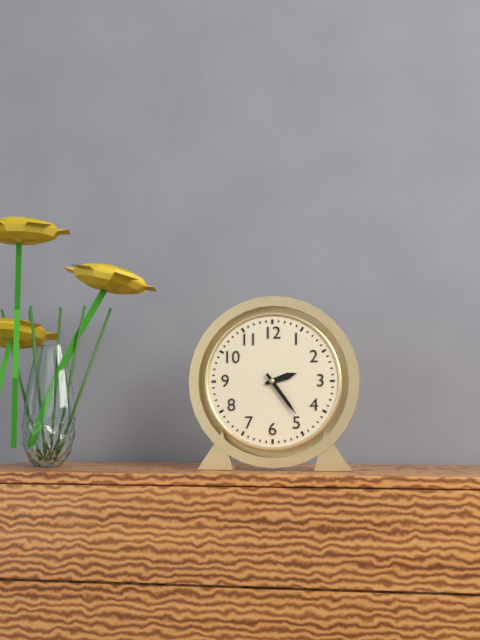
2:24
